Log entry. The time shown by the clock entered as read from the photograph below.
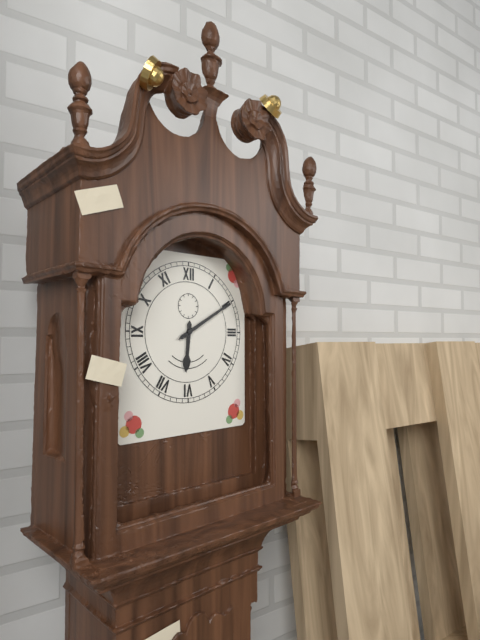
6:10
